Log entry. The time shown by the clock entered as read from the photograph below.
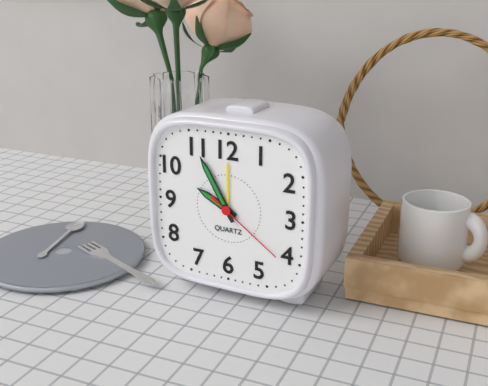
9:55:21
